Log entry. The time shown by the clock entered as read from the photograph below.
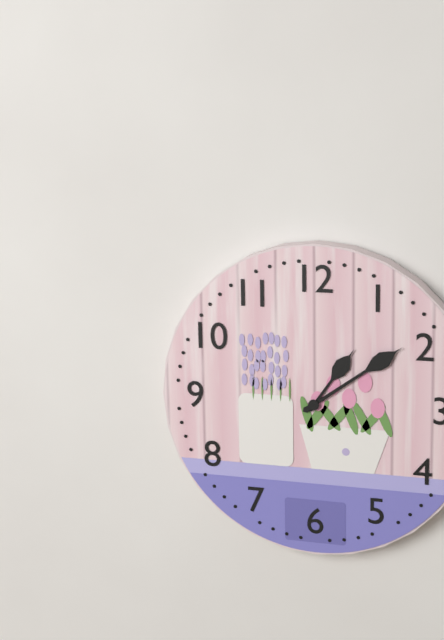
1:09
